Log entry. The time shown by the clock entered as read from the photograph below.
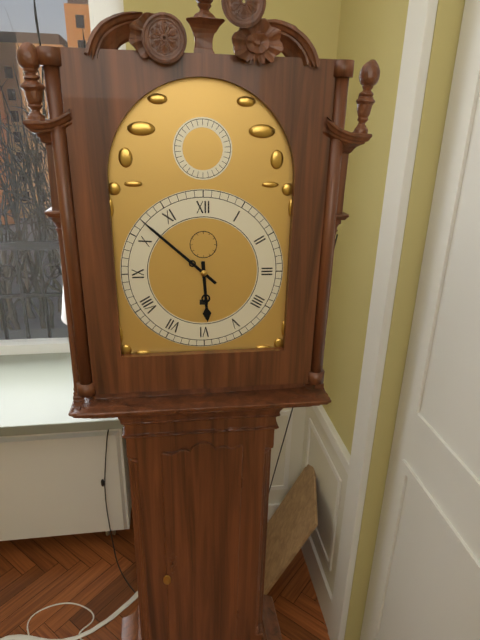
5:52
